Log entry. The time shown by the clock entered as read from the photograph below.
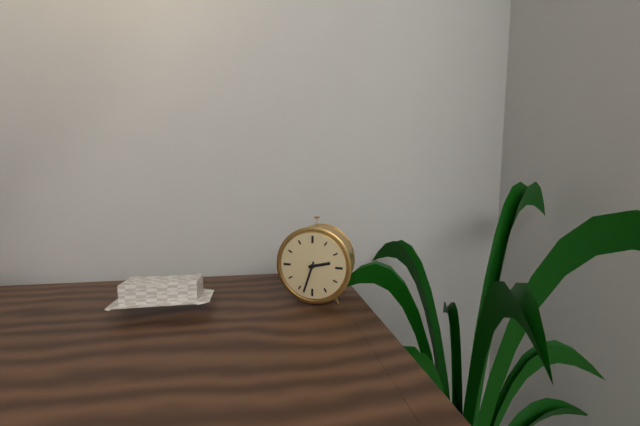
2:33
